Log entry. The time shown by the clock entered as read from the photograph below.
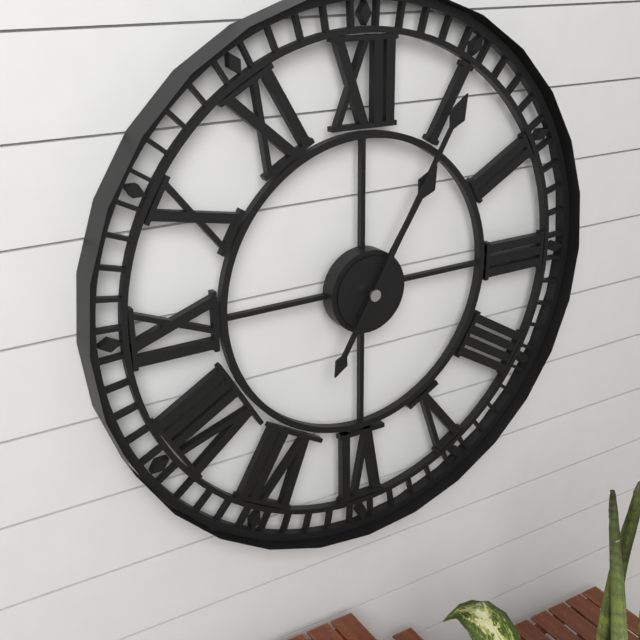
1:05
